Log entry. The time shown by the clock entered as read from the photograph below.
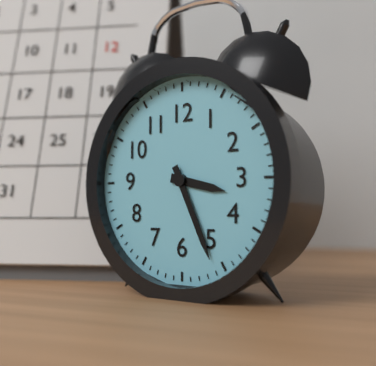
3:26
